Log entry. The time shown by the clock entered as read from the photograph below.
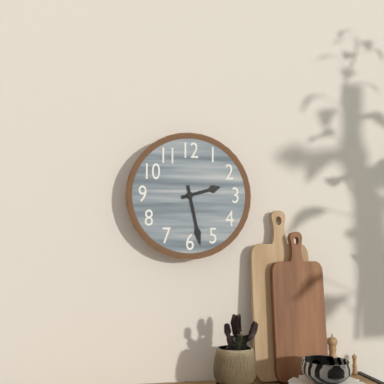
2:28
